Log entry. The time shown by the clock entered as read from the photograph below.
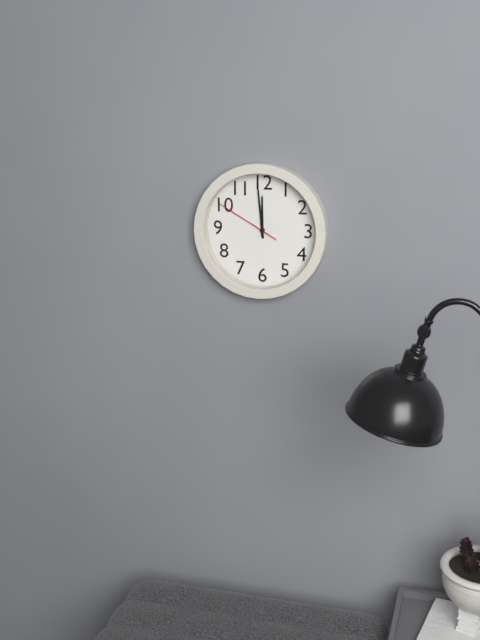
11:59:50
